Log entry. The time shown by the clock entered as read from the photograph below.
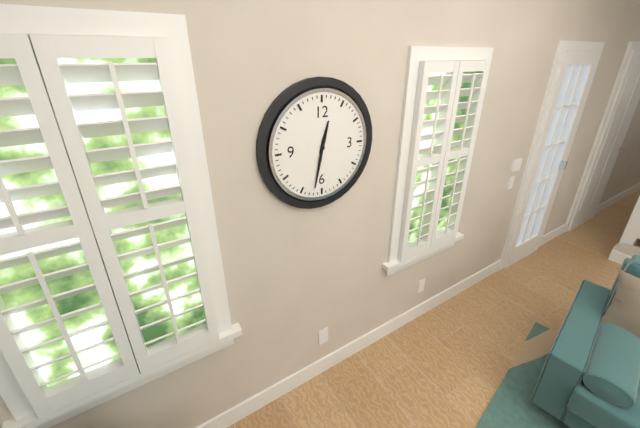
12:32
